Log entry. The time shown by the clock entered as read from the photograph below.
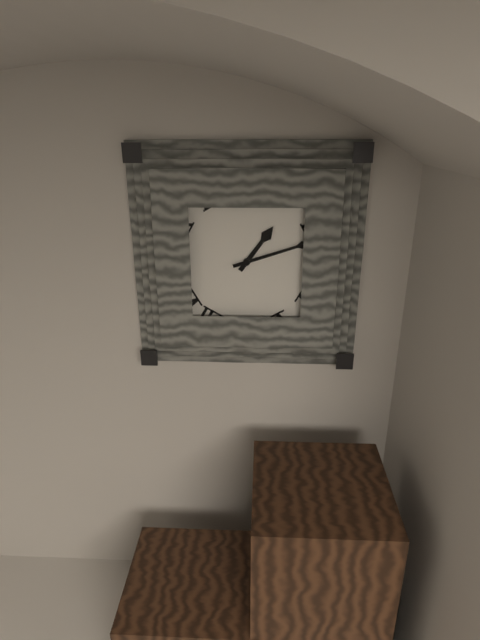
1:12
